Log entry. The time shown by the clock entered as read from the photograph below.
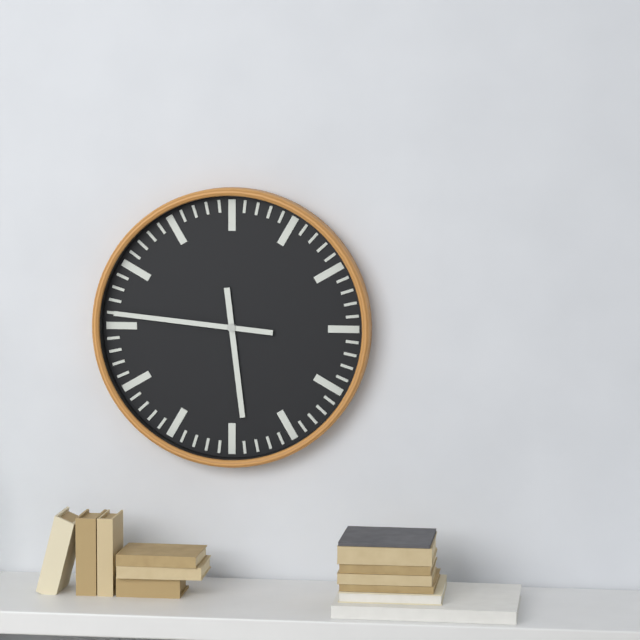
5:46
